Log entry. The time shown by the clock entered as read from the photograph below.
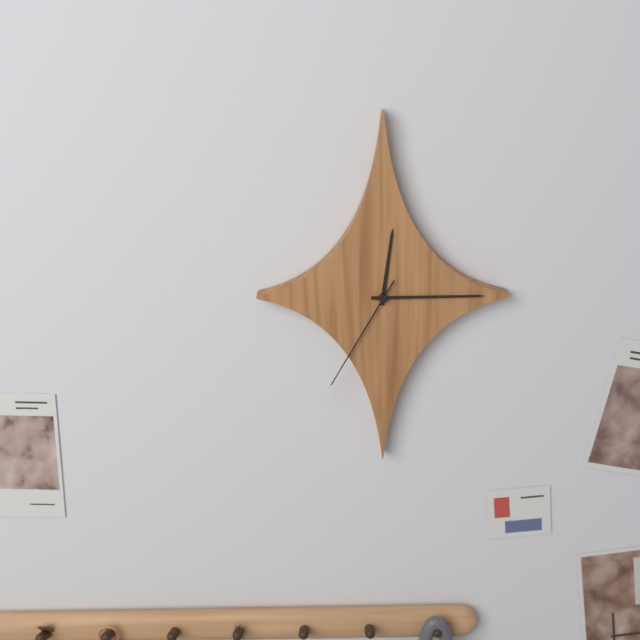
12:15:35
